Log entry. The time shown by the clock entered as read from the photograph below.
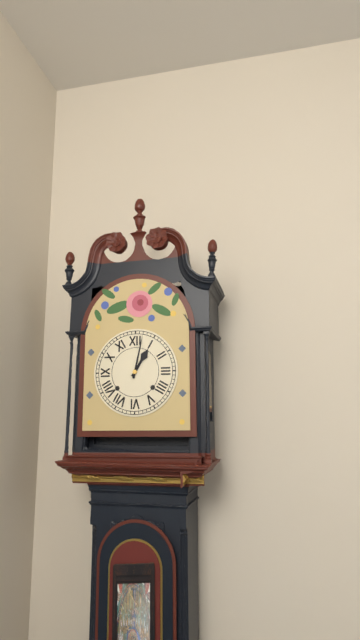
1:02
